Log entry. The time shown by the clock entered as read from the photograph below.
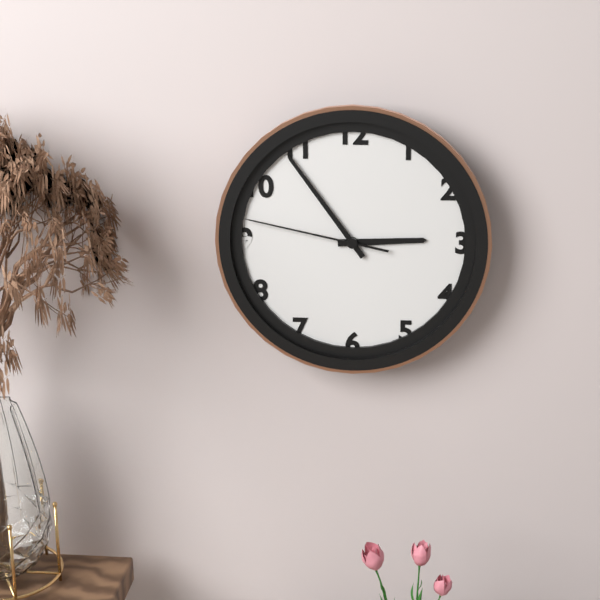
2:54:47
